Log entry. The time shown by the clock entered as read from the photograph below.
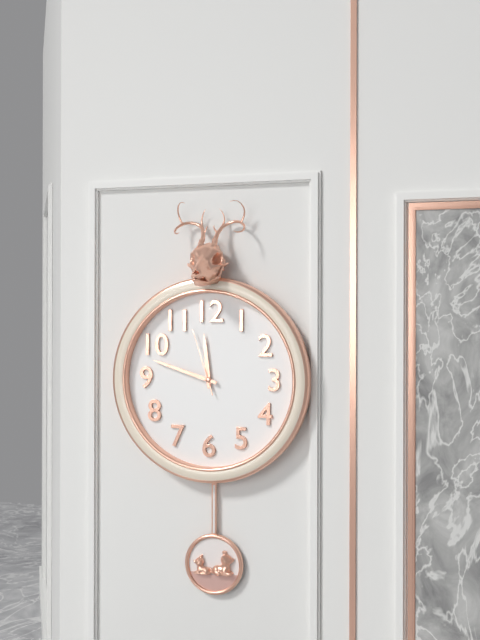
11:48:57
